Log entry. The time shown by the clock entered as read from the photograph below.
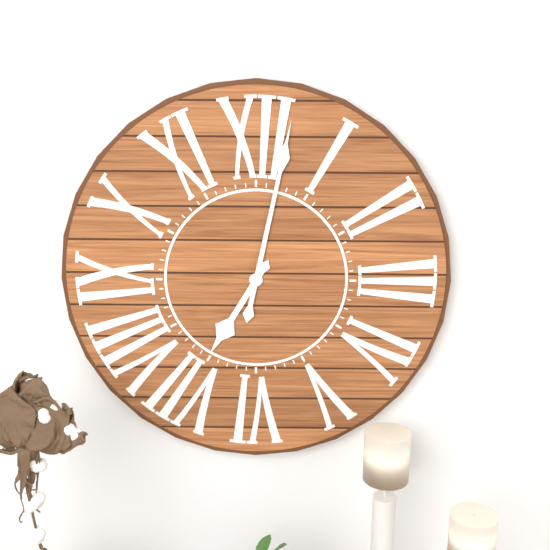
7:02
